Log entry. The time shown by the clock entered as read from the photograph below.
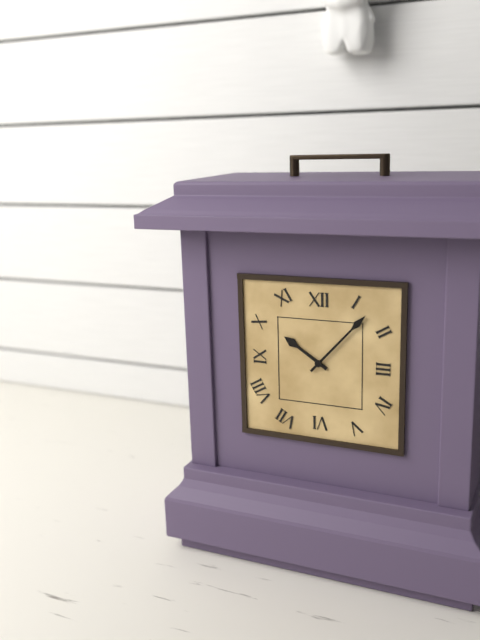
10:07
